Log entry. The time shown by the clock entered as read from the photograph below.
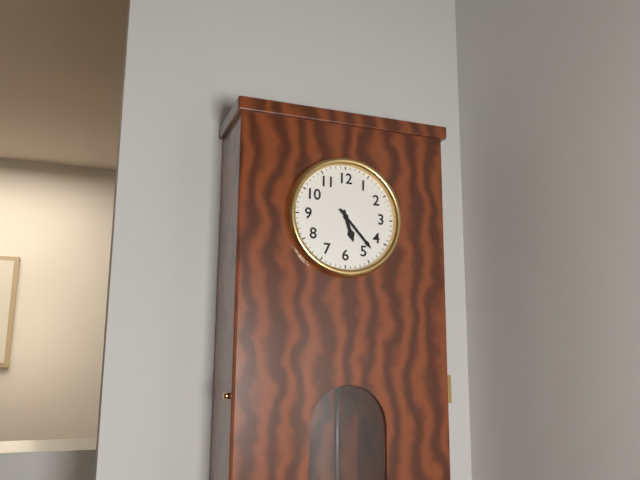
5:23
